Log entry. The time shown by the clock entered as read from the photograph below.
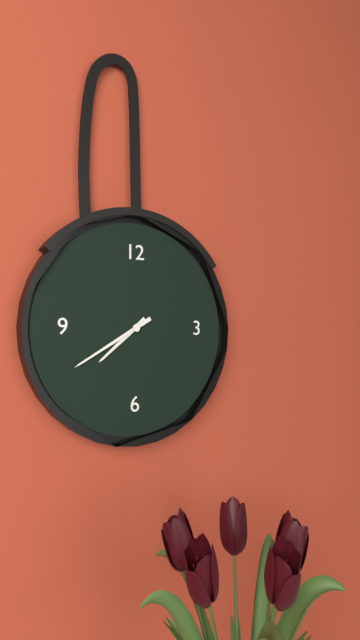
7:40
